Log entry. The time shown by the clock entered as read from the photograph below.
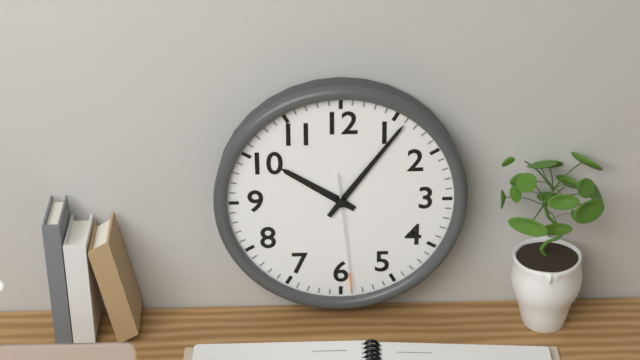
10:06:29
